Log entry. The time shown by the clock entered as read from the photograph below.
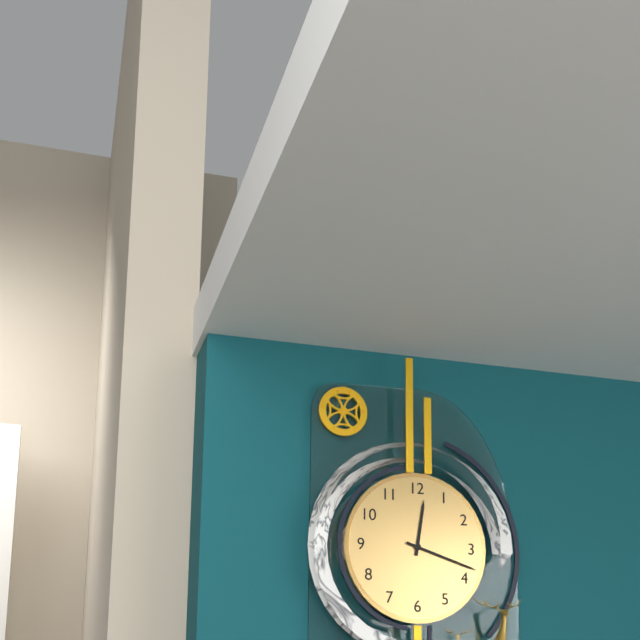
12:18
